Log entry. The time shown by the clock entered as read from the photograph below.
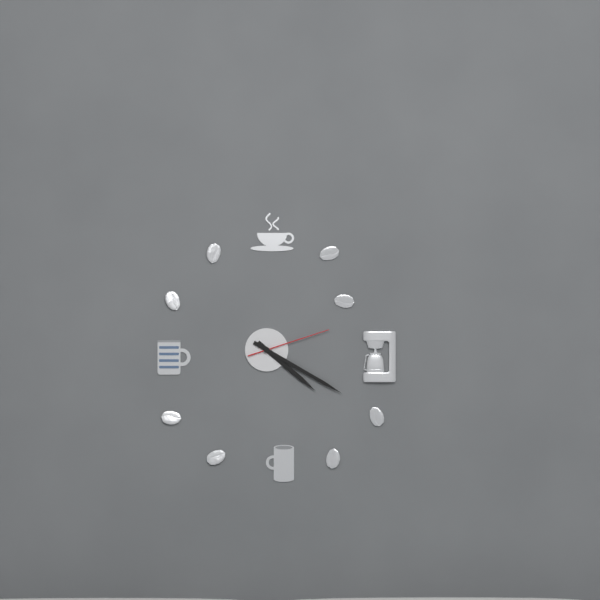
4:20:12
